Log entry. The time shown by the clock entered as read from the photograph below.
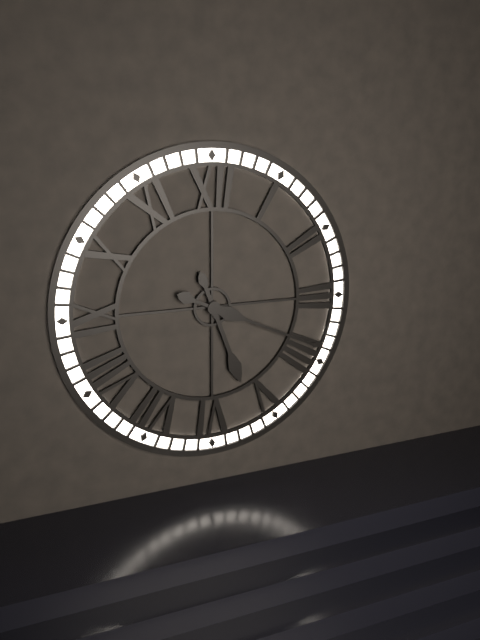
5:19
